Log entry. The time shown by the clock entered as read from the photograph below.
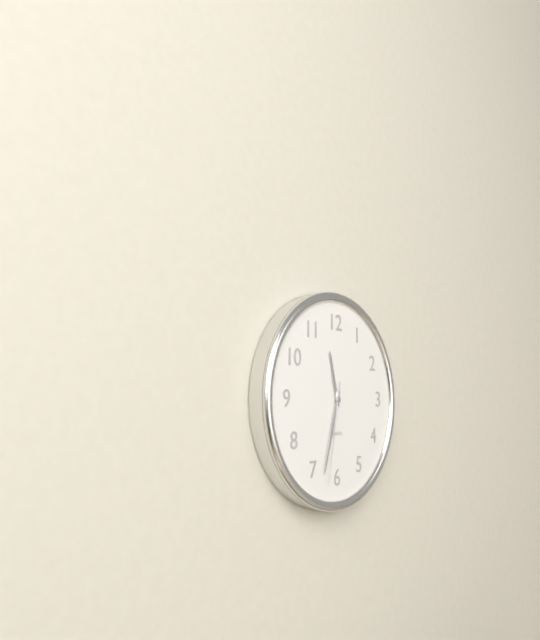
11:33:32
